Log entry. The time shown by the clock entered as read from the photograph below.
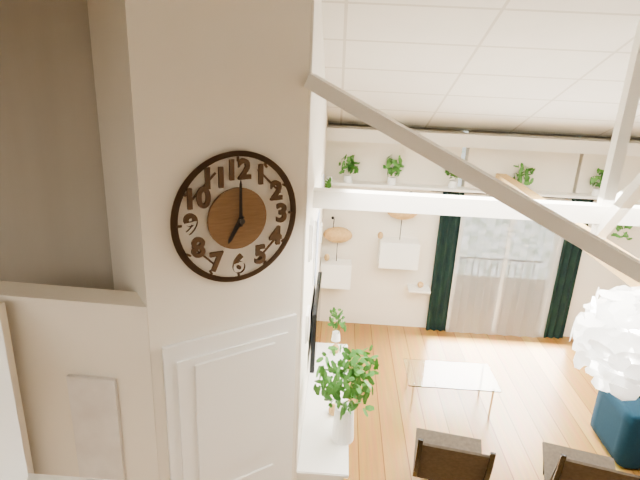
7:00
